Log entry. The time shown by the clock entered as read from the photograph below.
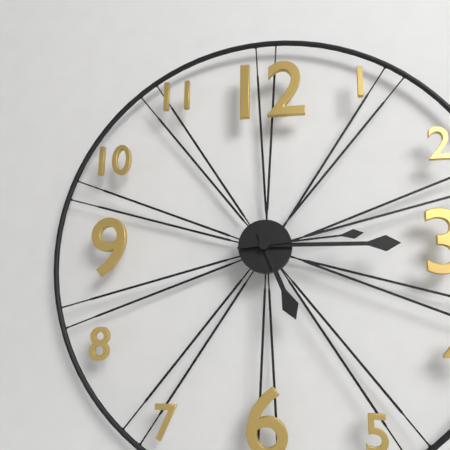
5:15:14
